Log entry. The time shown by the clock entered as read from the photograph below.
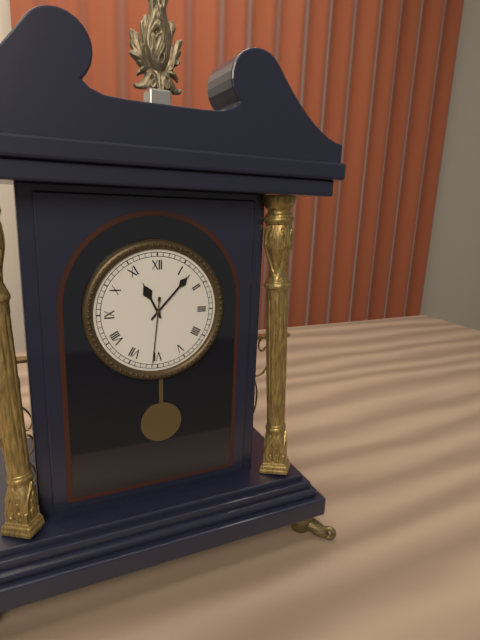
11:07:31
